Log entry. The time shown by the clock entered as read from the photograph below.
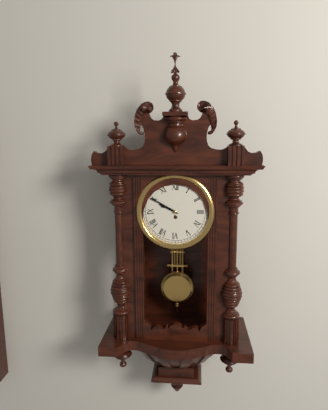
9:50
